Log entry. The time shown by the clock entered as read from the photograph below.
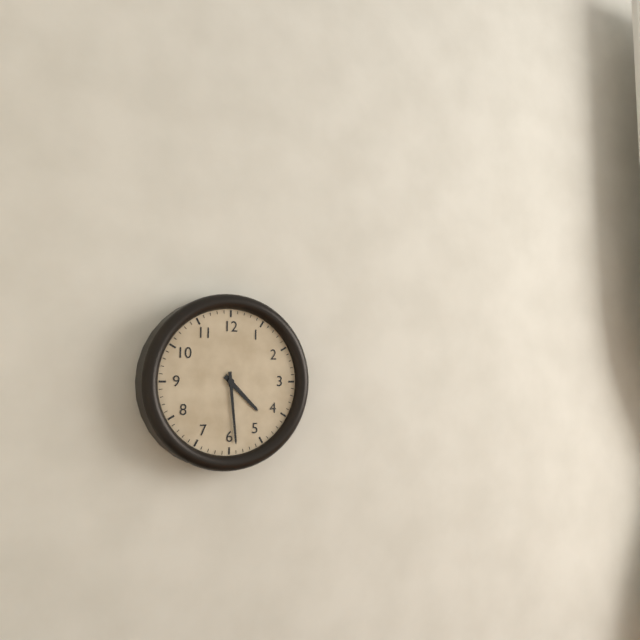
4:29
